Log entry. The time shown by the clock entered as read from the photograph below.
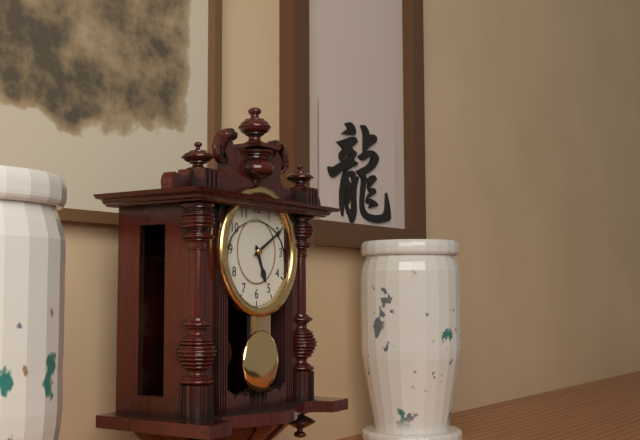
5:10
